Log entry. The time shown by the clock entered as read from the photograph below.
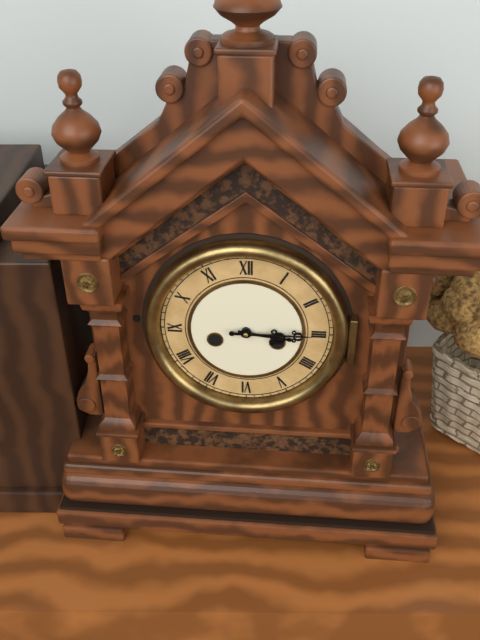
3:15
